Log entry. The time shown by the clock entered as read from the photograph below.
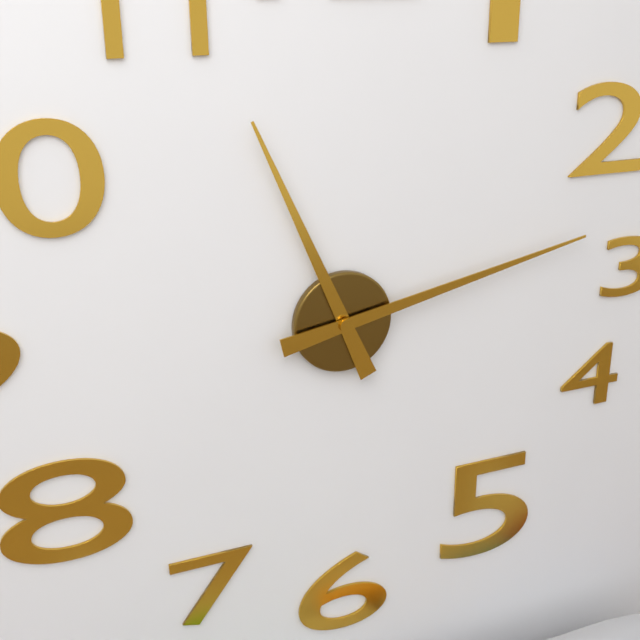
11:13
